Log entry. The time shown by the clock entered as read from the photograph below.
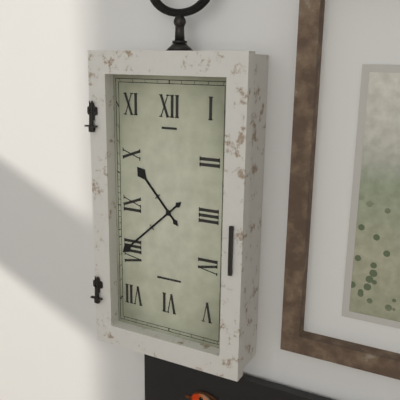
10:38
